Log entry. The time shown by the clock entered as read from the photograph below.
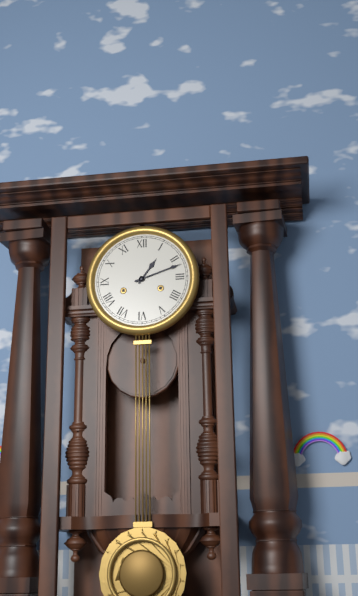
1:12
